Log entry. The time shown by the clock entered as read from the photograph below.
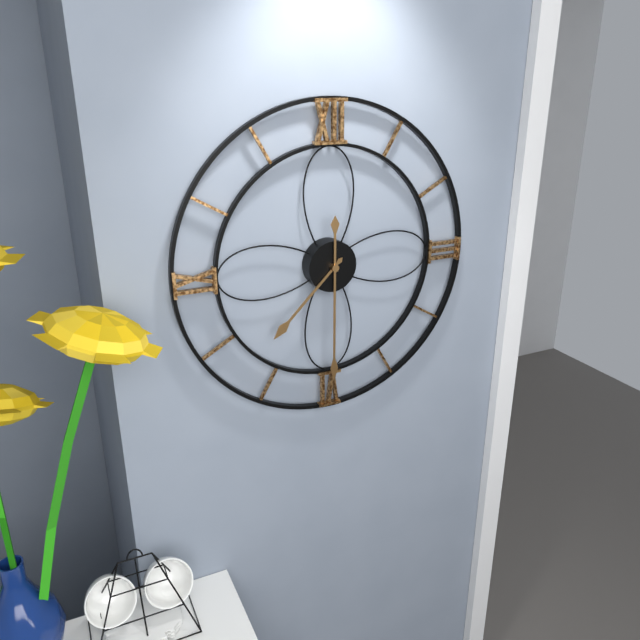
7:30
